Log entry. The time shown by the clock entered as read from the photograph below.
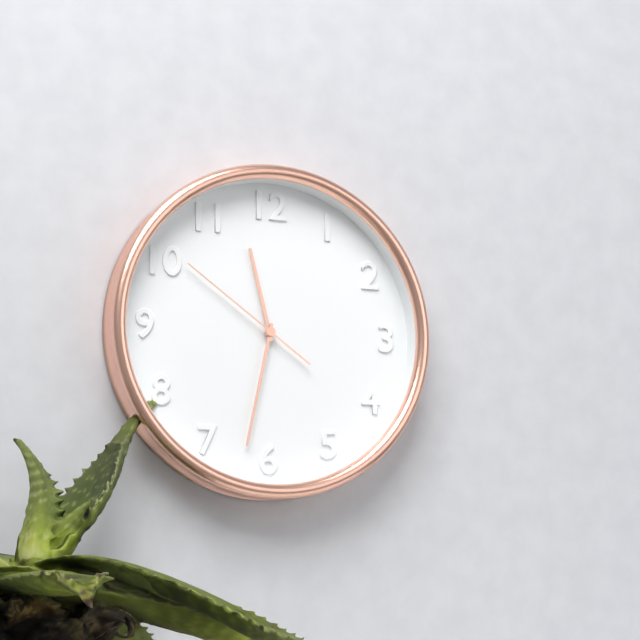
11:32:51
